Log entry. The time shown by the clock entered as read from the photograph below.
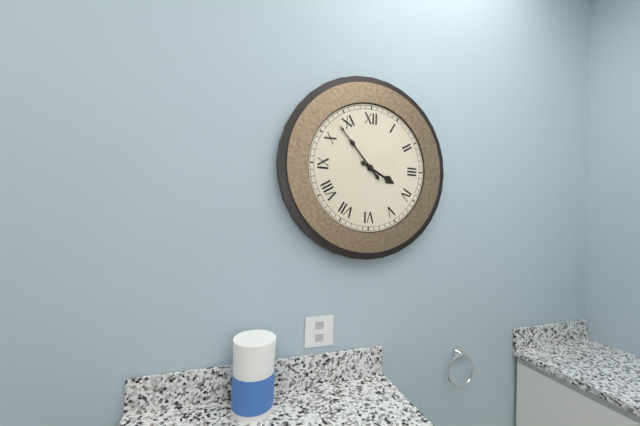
3:53
